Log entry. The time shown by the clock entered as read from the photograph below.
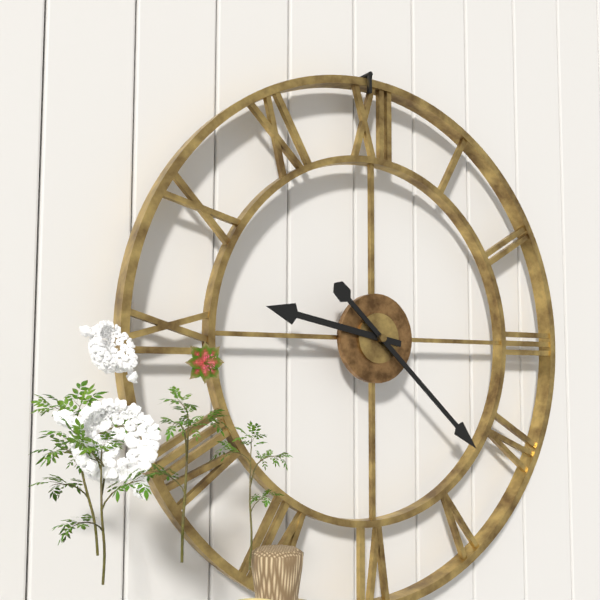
9:22
